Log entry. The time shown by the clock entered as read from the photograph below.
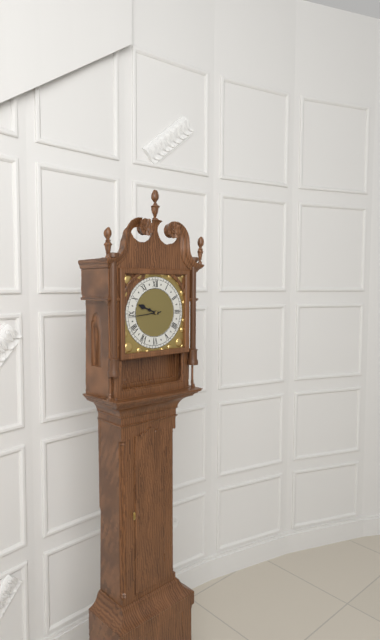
9:44
